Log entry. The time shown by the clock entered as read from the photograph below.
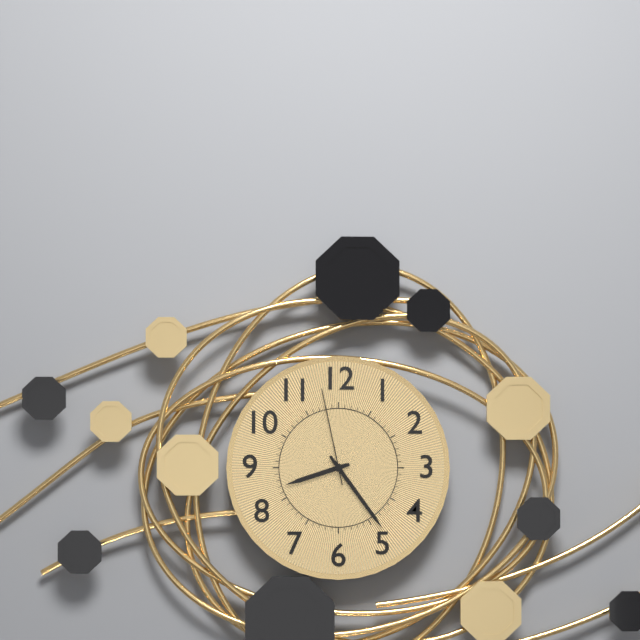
8:24:58
